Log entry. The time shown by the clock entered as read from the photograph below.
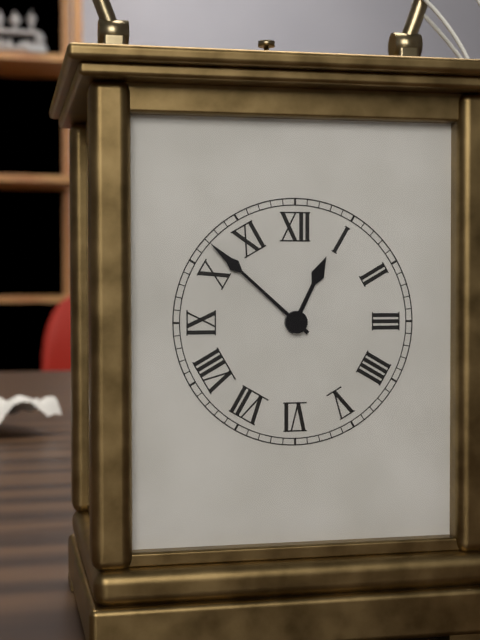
12:52
